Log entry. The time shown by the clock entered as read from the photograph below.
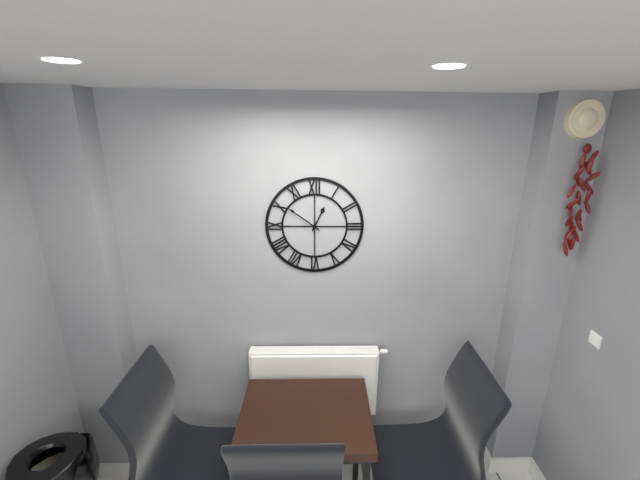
12:51
